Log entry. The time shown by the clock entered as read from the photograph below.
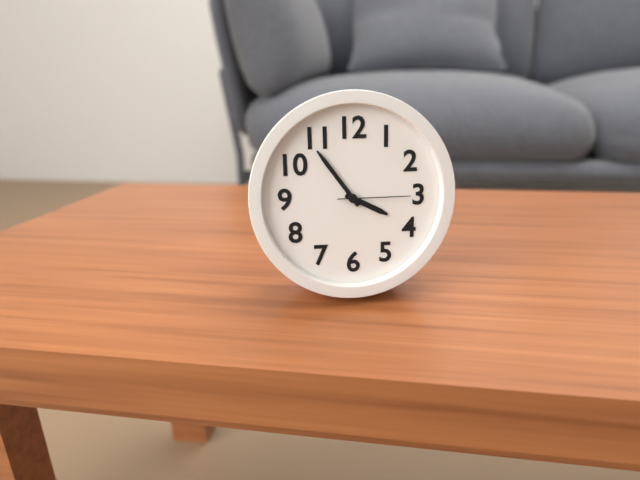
3:54:15
